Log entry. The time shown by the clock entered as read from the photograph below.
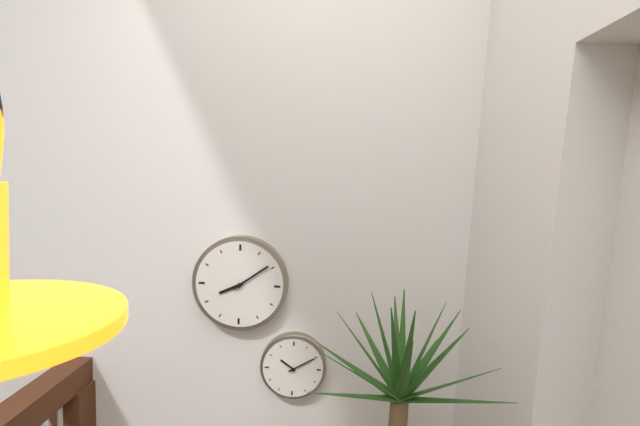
8:09
